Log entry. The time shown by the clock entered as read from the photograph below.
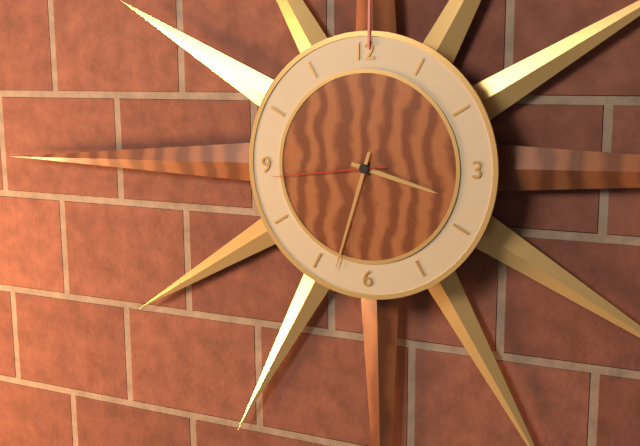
3:33:44
